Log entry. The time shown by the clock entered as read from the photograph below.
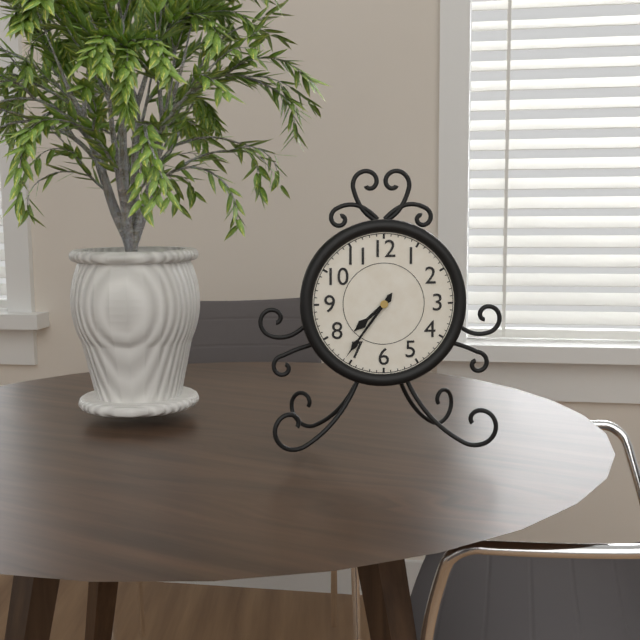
7:36
